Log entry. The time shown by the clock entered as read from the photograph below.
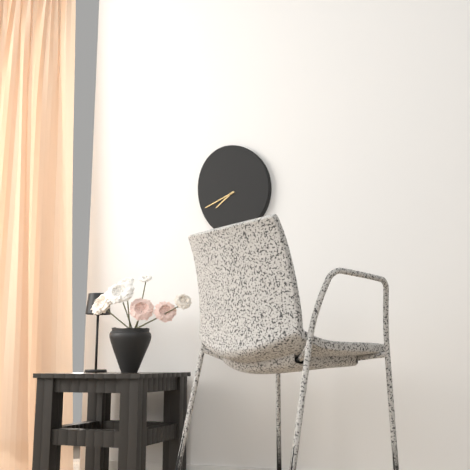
7:41
